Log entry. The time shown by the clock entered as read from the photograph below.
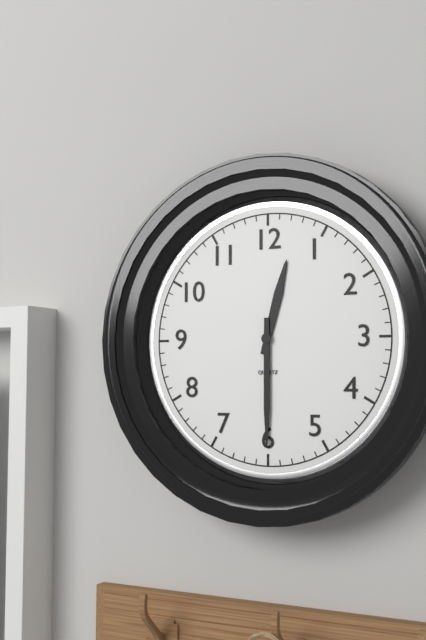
12:30
